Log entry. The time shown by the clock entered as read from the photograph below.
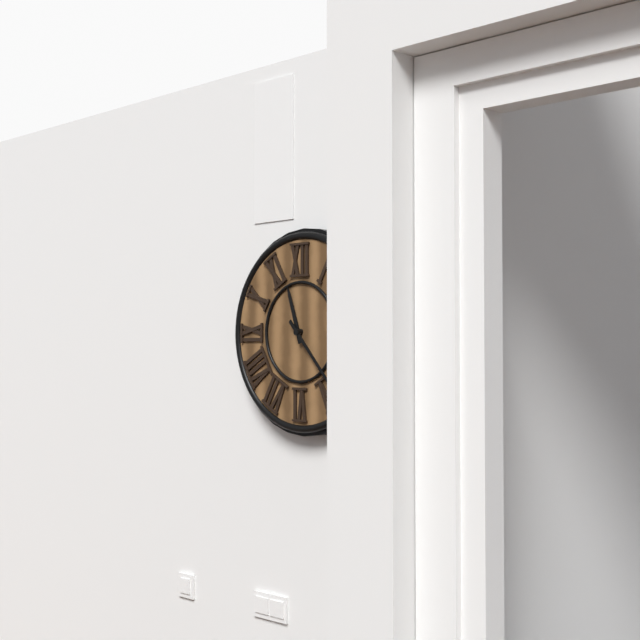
11:23
